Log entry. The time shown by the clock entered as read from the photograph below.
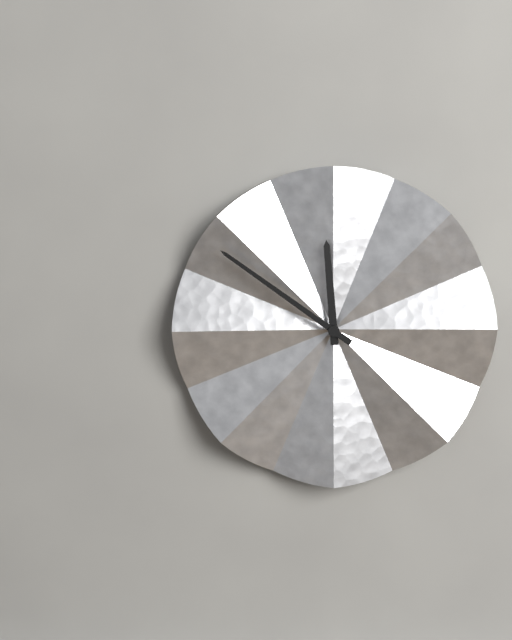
11:51
